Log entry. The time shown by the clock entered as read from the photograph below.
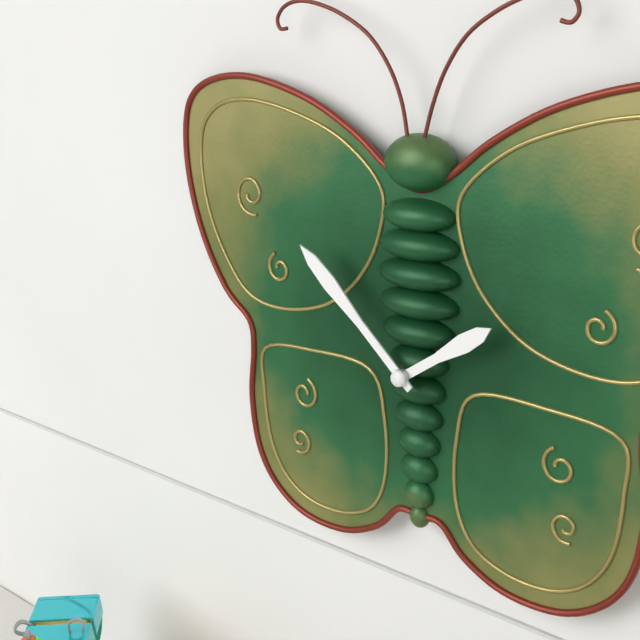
1:52
